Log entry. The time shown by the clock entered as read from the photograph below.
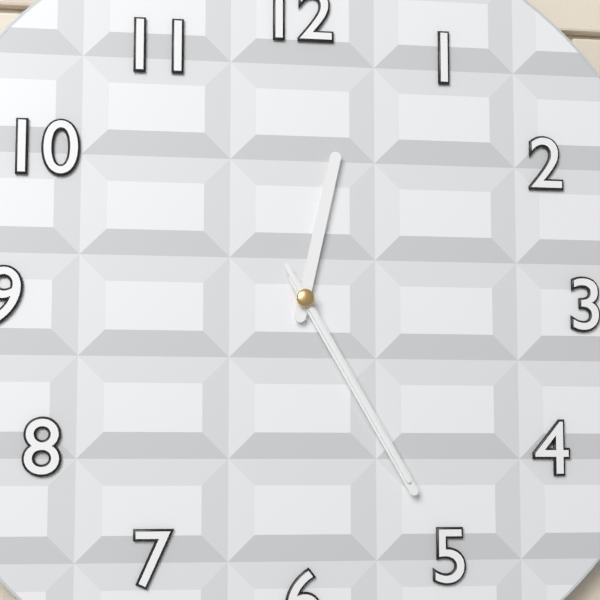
12:25:25
